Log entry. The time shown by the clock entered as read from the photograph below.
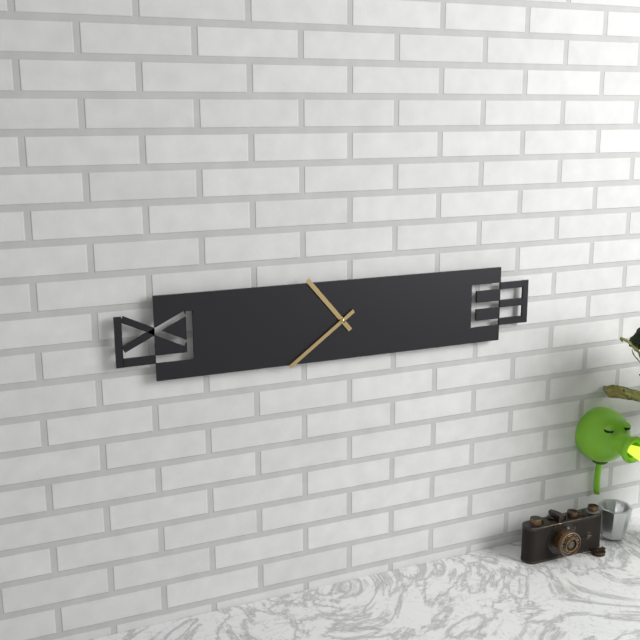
10:39
